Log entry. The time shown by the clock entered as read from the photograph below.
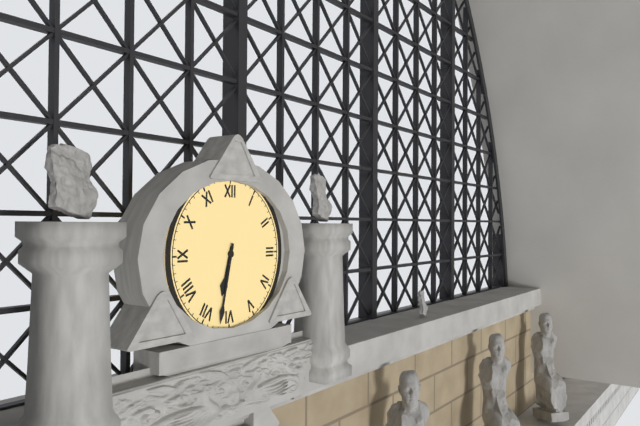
6:32
